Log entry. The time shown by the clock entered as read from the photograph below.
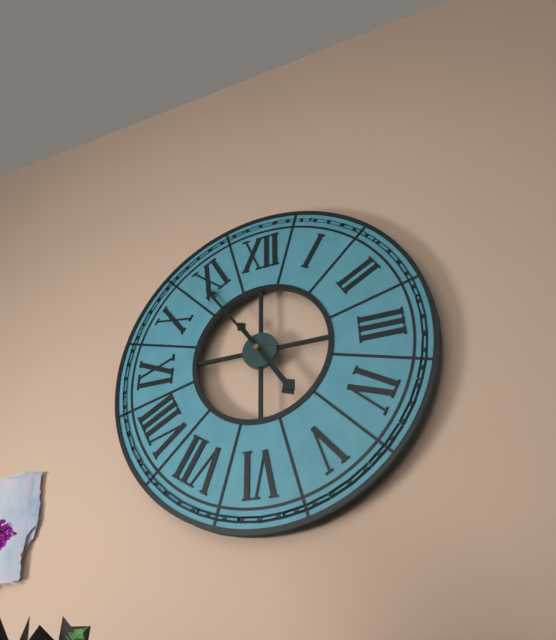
4:54
